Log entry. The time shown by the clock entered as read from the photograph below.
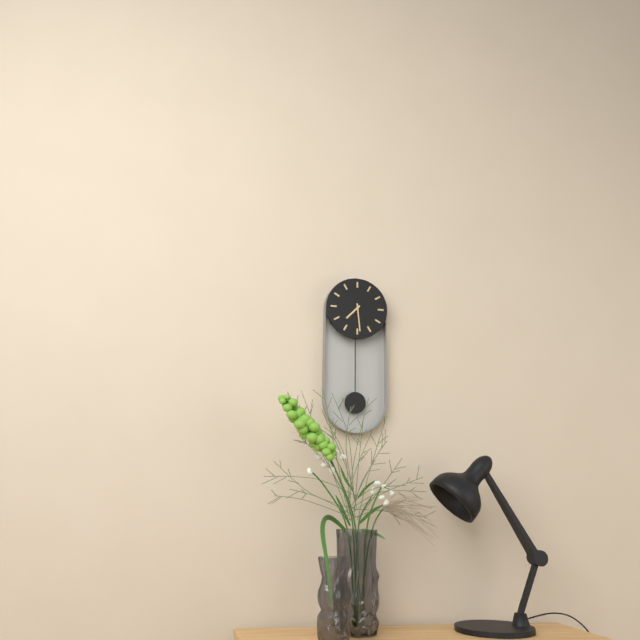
7:29
